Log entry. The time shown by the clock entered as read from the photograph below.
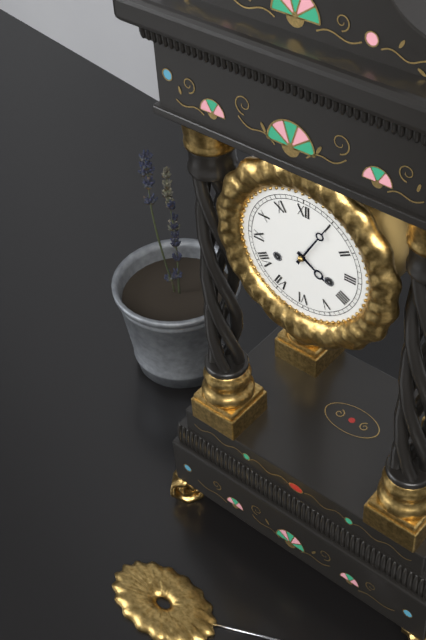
4:05
